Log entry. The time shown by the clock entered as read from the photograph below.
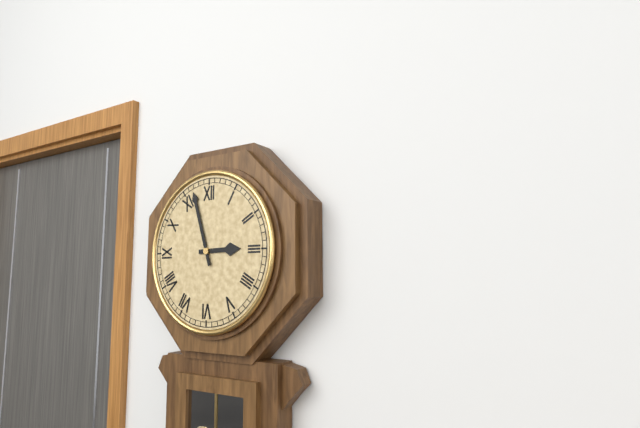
2:57
